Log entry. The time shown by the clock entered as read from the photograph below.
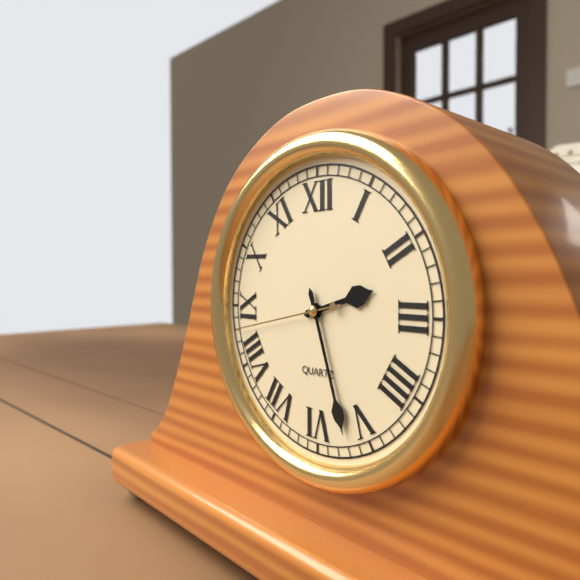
2:27:43
